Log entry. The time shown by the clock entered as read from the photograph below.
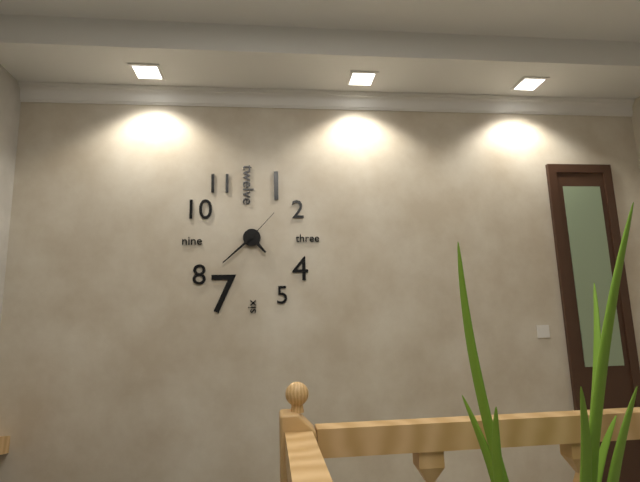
4:38
